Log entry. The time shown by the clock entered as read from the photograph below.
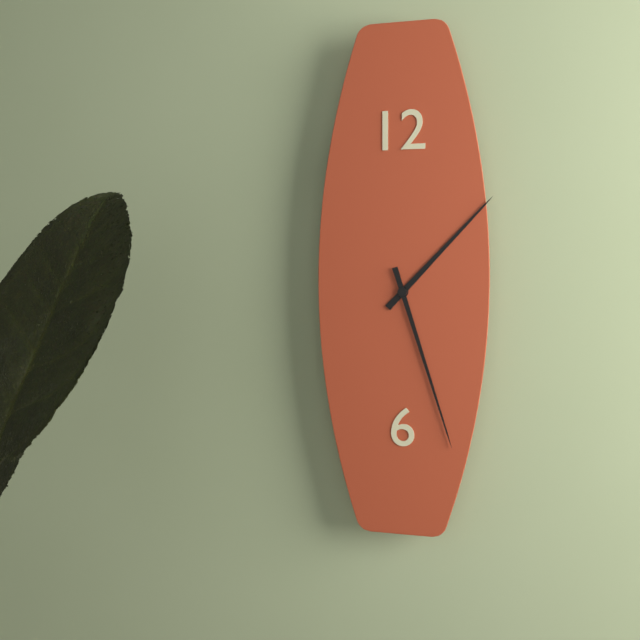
1:27
